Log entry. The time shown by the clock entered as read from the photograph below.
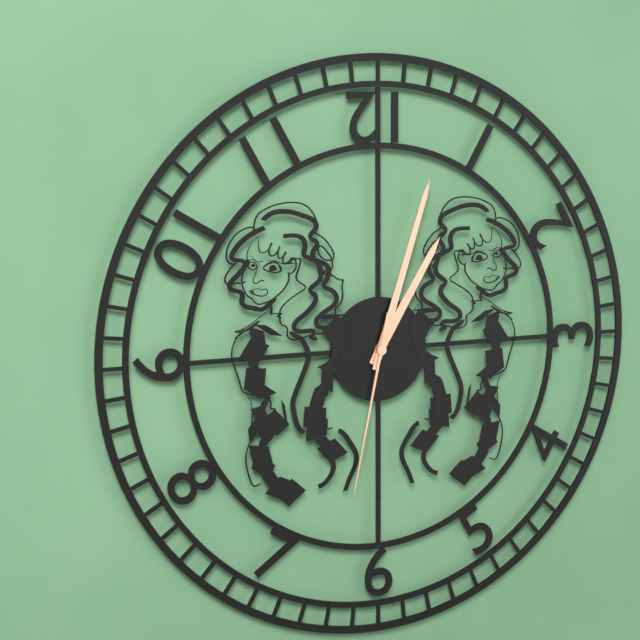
1:03:32
